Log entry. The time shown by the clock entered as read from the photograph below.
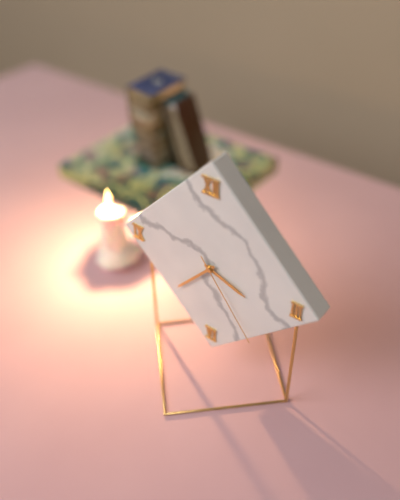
3:37:24
